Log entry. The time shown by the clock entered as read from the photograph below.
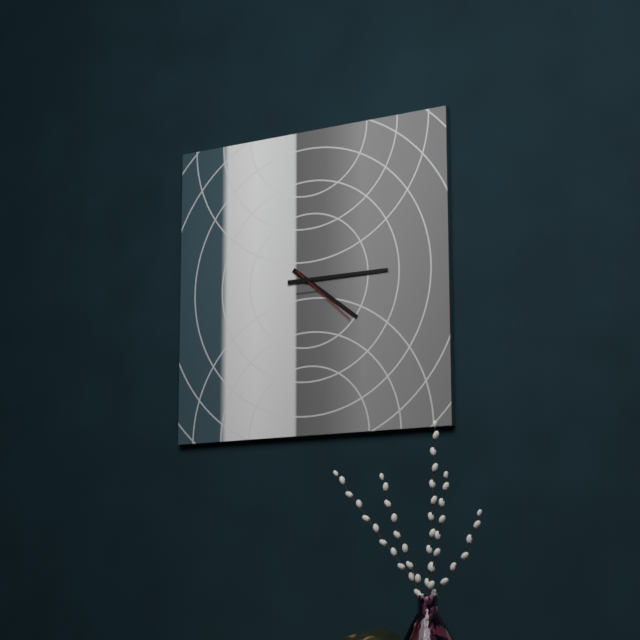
4:15:22
